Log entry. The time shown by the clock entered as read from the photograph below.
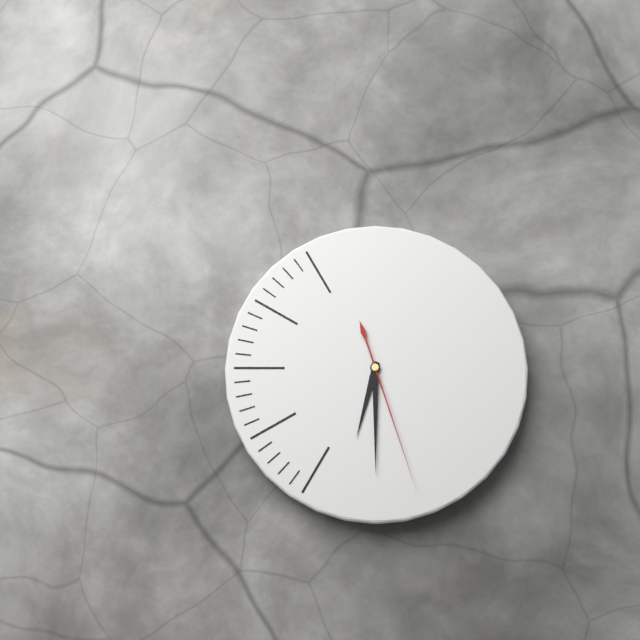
6:30:27
